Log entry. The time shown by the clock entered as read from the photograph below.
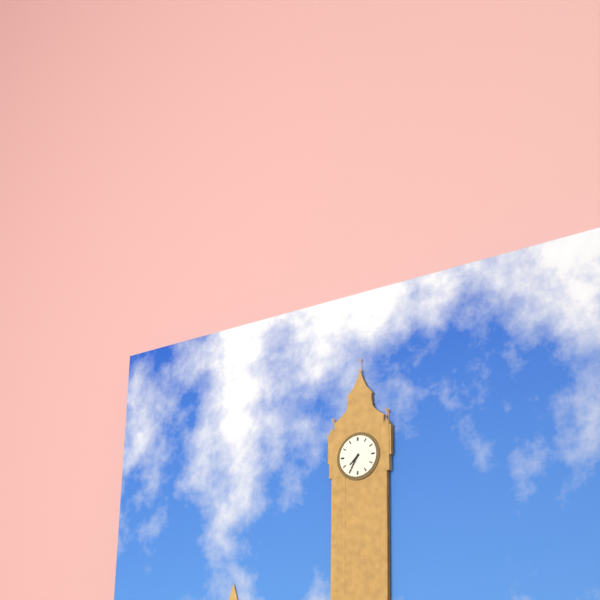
7:35
